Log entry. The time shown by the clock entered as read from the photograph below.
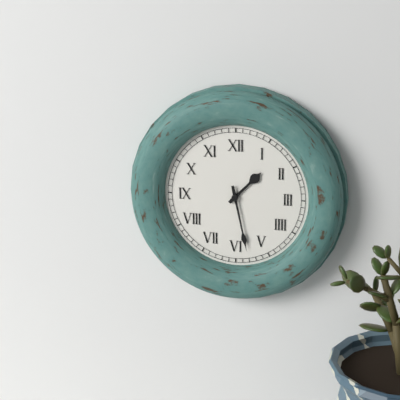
1:28
